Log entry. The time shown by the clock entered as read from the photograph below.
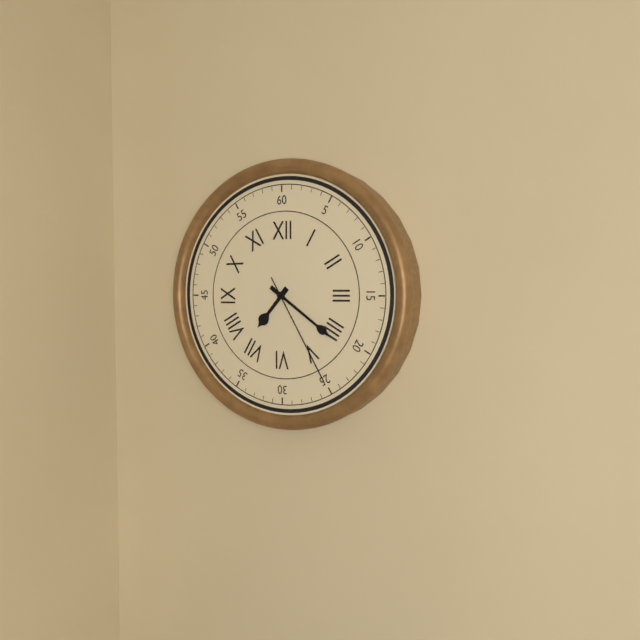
7:21:25
